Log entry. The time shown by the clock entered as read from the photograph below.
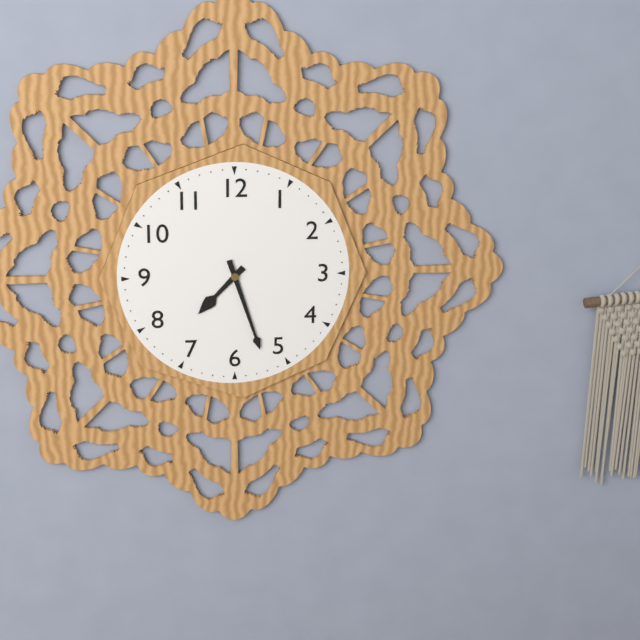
7:27
